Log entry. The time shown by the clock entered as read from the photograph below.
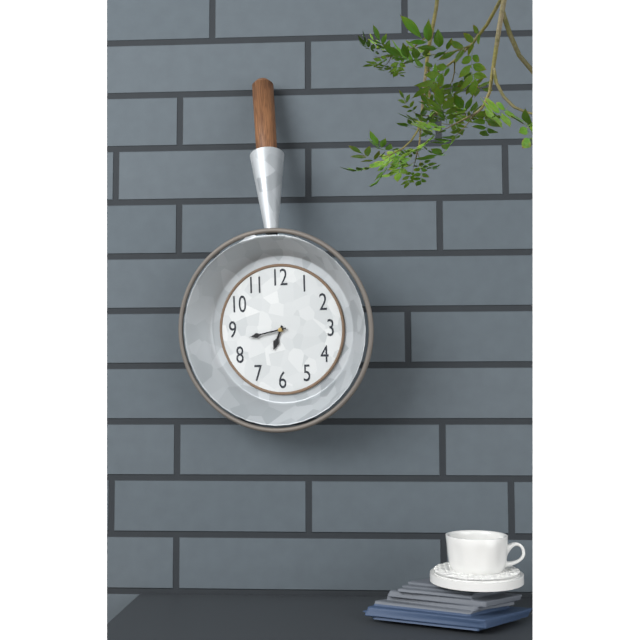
6:43
